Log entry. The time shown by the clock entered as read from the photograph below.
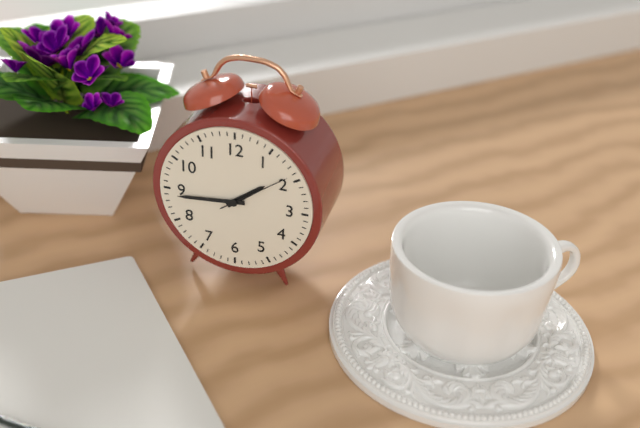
1:44:09
